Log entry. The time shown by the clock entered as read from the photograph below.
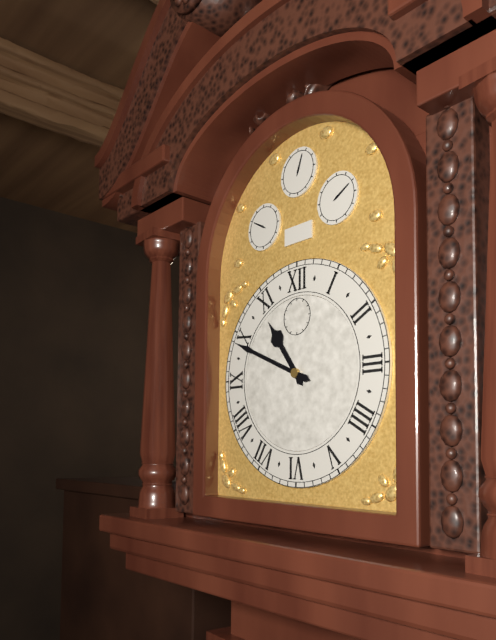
10:49
